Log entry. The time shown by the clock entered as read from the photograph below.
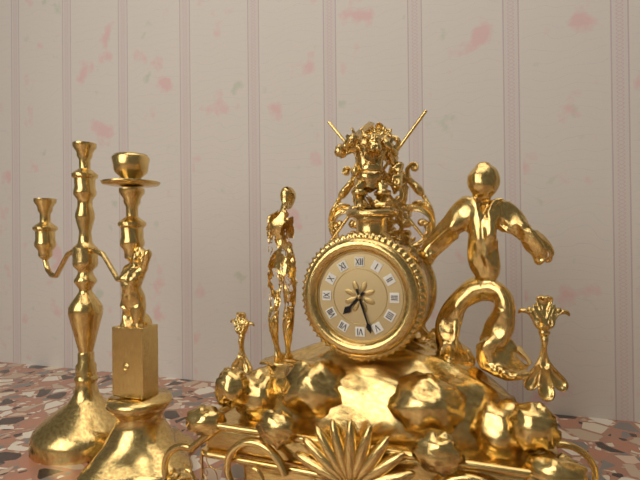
7:27
